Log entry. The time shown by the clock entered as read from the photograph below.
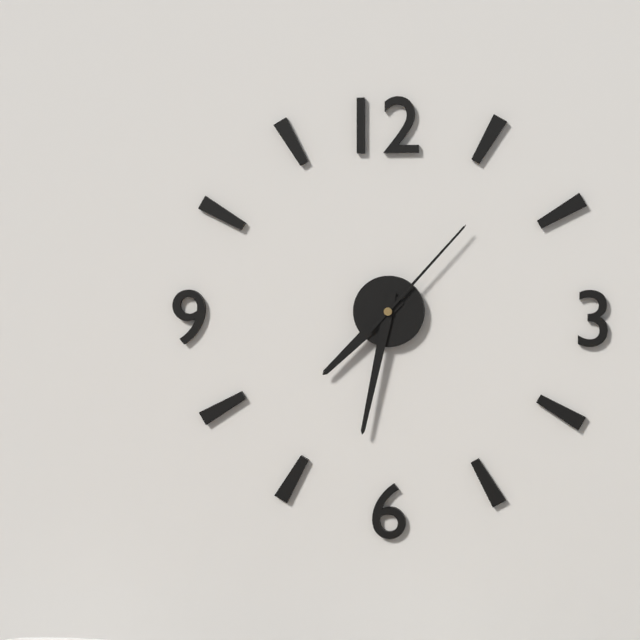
7:32:07
